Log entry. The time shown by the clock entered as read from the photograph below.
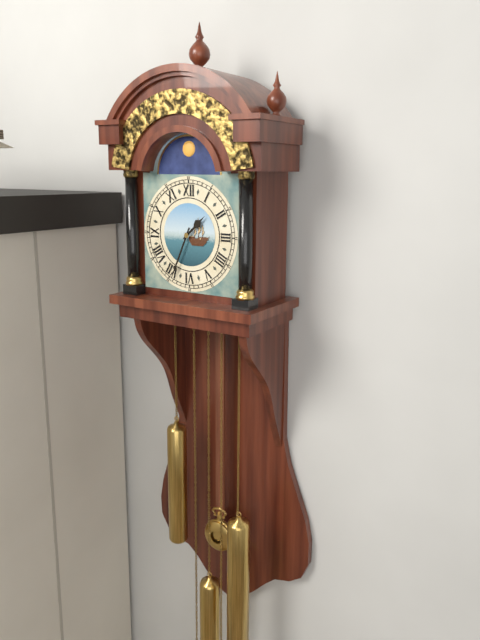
1:34
